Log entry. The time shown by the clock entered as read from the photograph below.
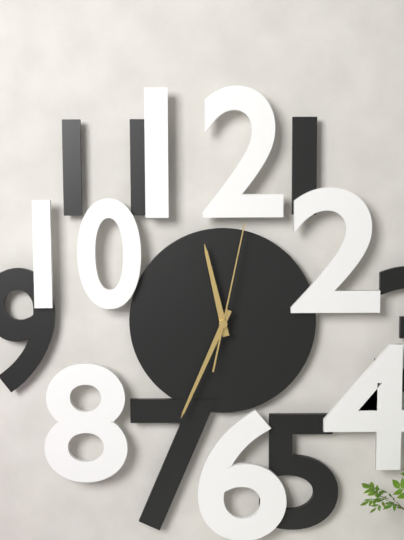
11:34:02
